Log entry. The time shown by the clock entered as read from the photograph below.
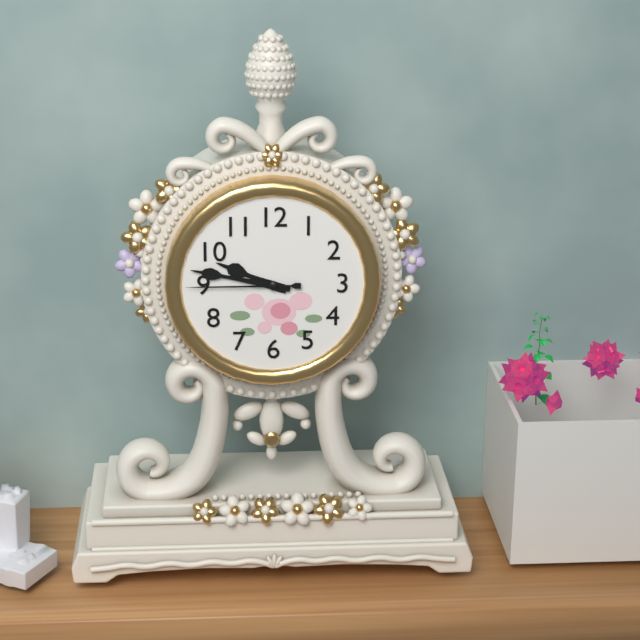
9:47:45
